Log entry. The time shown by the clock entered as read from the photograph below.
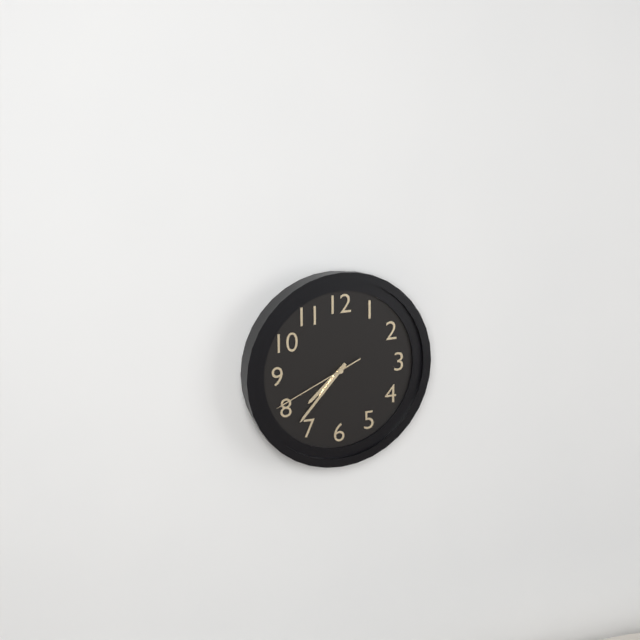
7:37:41
